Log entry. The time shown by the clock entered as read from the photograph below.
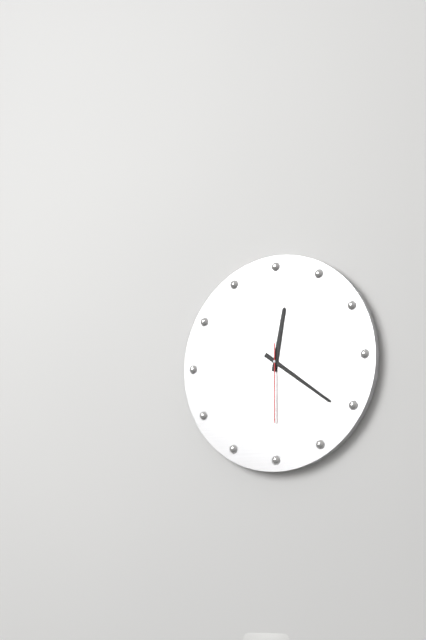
12:21:30
